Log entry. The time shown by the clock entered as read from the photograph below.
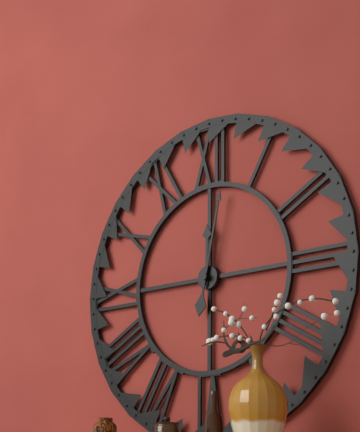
12:02
